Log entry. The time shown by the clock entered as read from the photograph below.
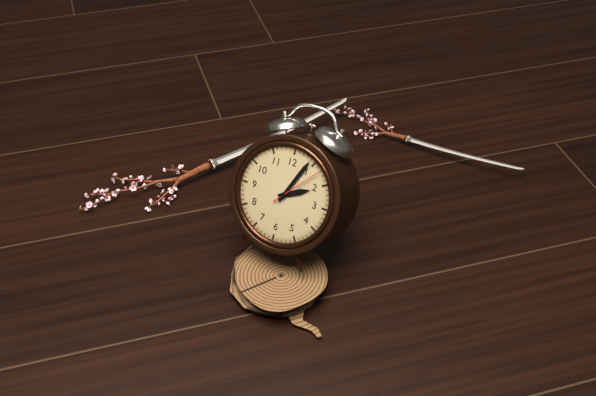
2:04:07
